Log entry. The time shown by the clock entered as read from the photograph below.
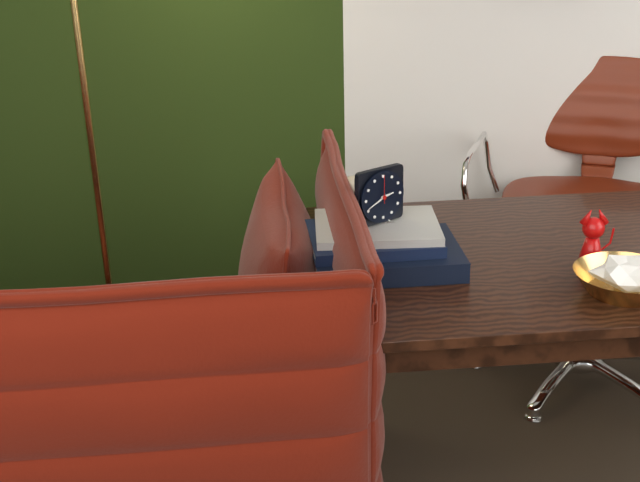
2:41
